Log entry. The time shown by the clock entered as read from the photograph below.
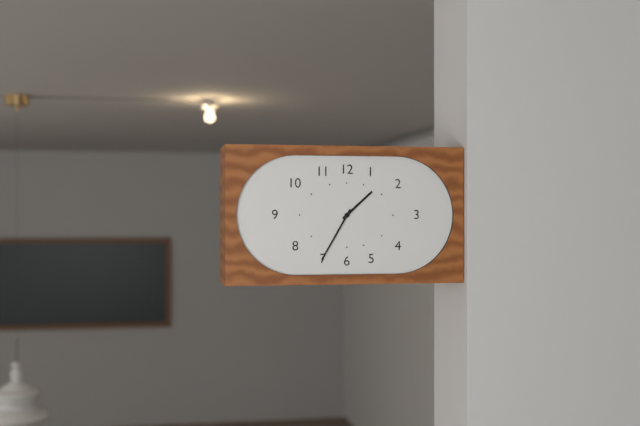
1:35
